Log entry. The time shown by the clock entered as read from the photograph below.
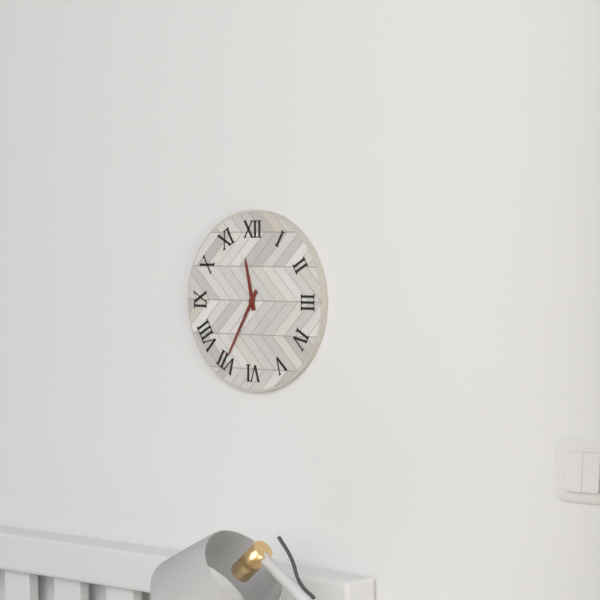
11:35
